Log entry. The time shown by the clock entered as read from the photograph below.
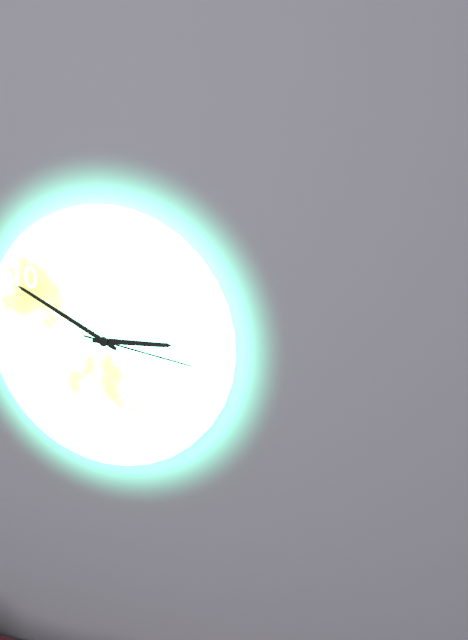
2:49:16
